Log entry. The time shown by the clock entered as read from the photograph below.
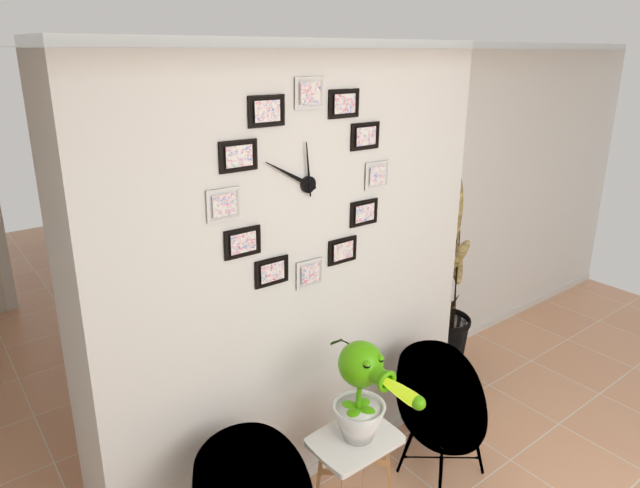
11:50
